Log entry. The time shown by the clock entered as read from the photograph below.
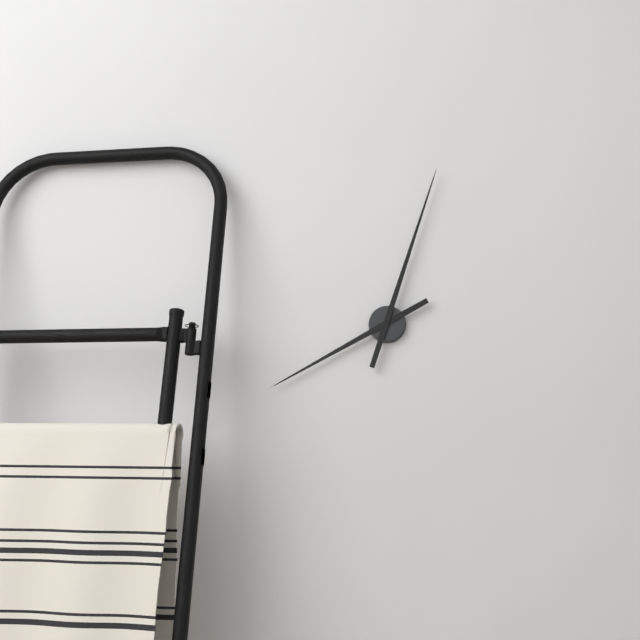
8:03
